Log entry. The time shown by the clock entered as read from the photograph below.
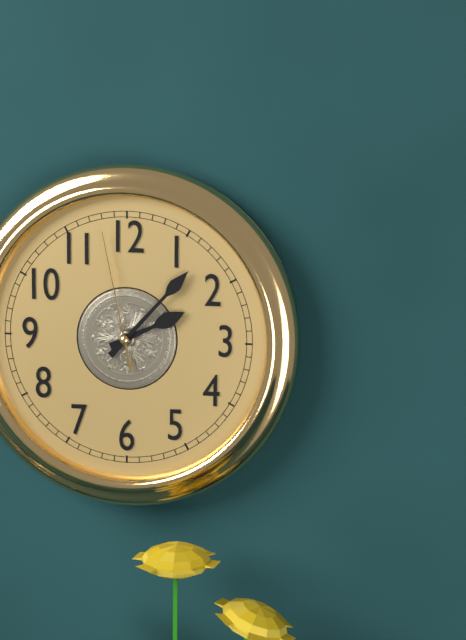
2:07:58
